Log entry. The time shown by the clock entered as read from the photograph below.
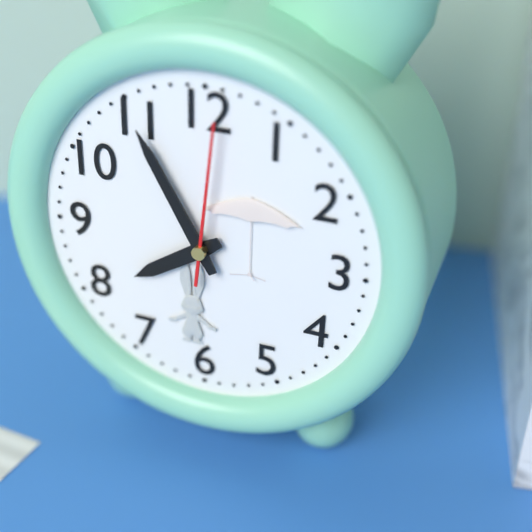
7:55:01
